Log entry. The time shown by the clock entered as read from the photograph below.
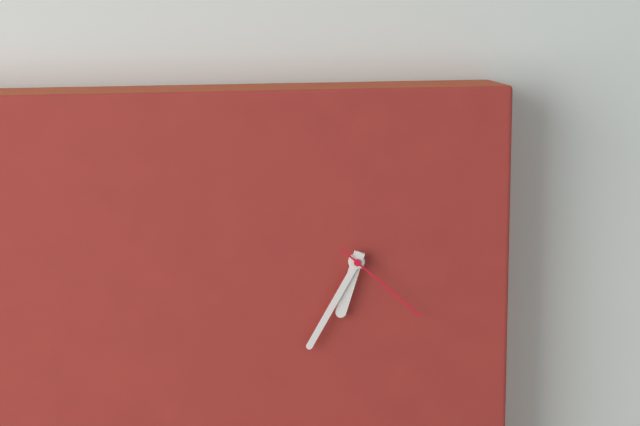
6:35:22
